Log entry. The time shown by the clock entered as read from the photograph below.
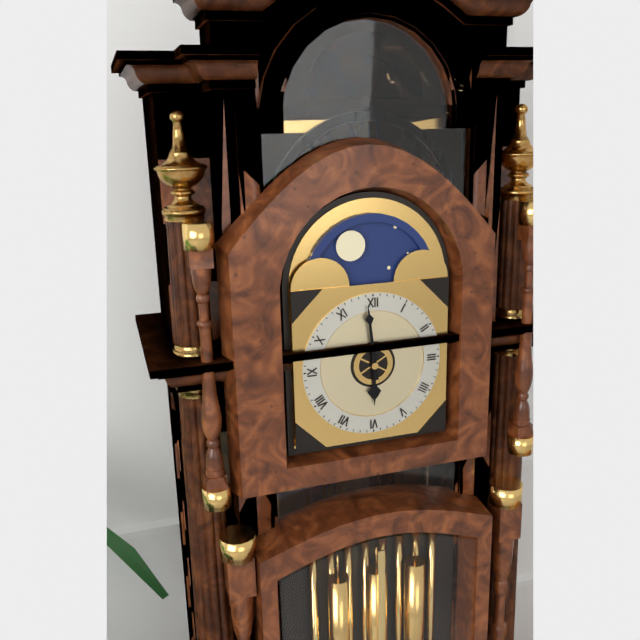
5:59
